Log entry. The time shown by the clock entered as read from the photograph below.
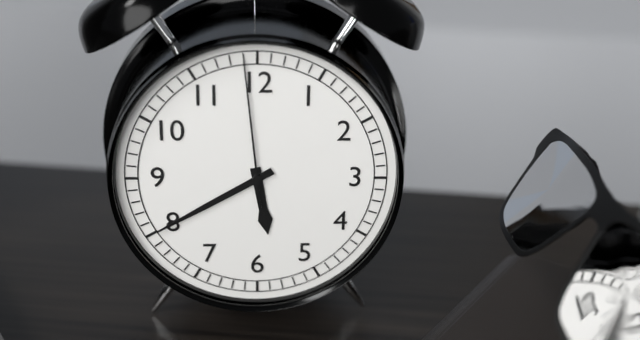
5:40:59
